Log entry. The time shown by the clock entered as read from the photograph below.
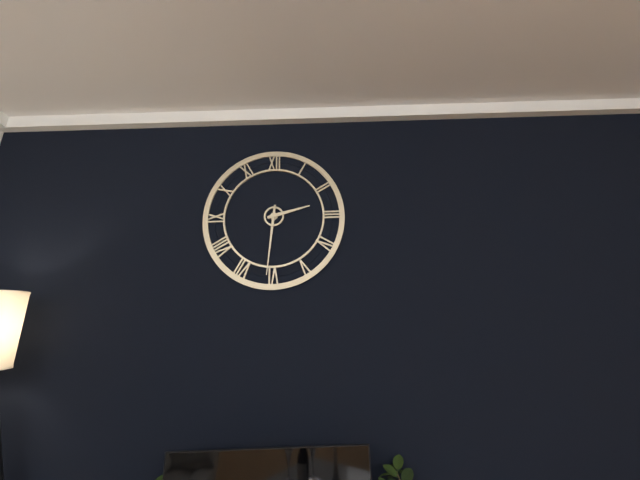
2:31
